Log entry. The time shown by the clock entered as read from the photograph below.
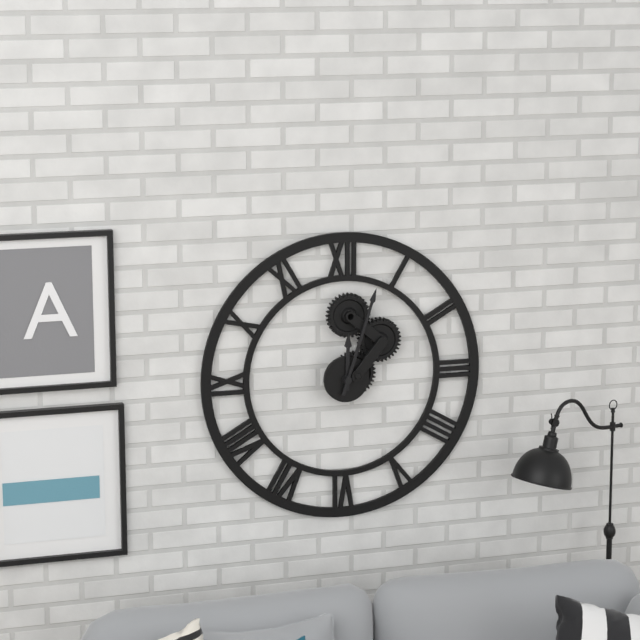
12:03
